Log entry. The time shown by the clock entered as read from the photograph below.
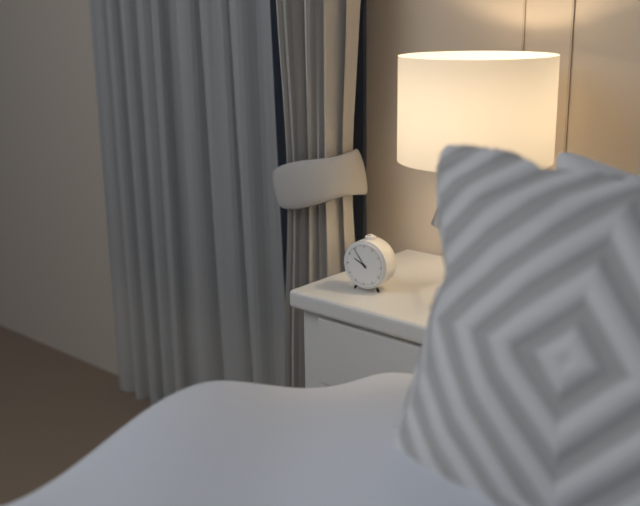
9:54
